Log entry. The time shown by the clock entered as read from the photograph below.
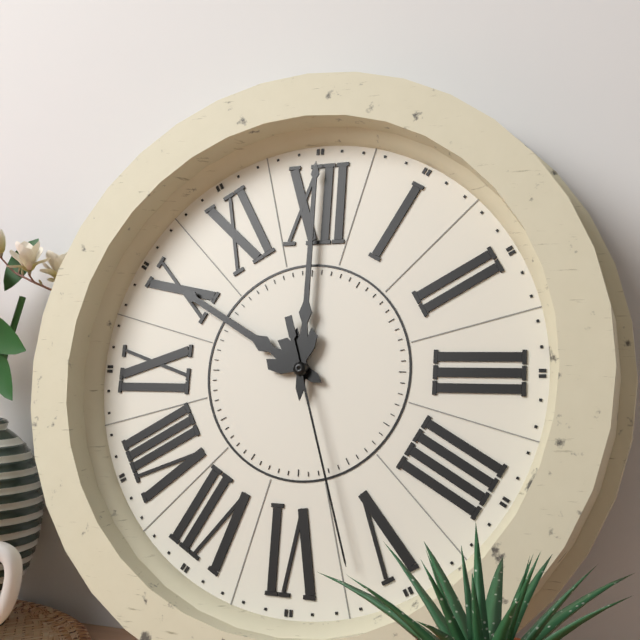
10:00:27
